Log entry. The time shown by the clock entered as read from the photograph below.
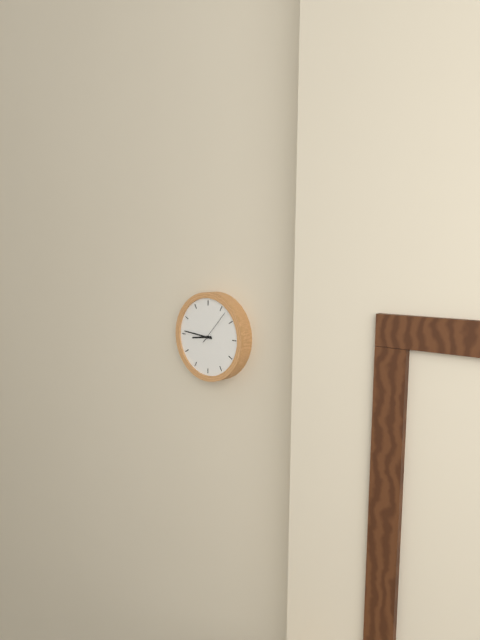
8:46
